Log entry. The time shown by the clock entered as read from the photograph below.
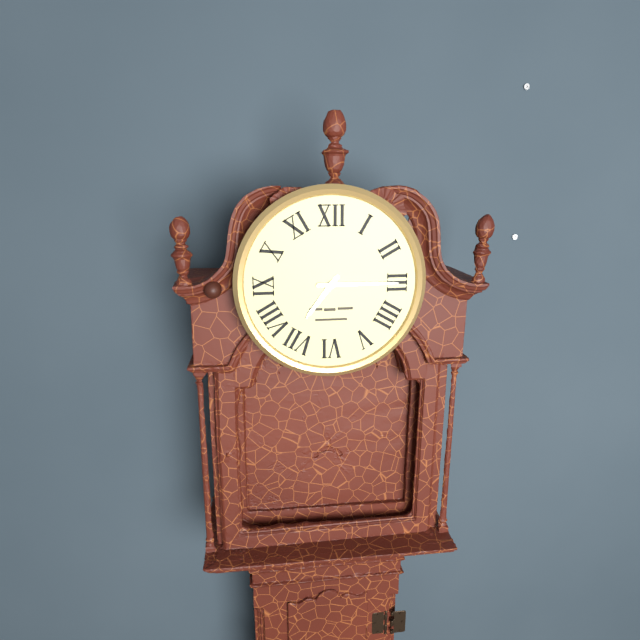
7:15
